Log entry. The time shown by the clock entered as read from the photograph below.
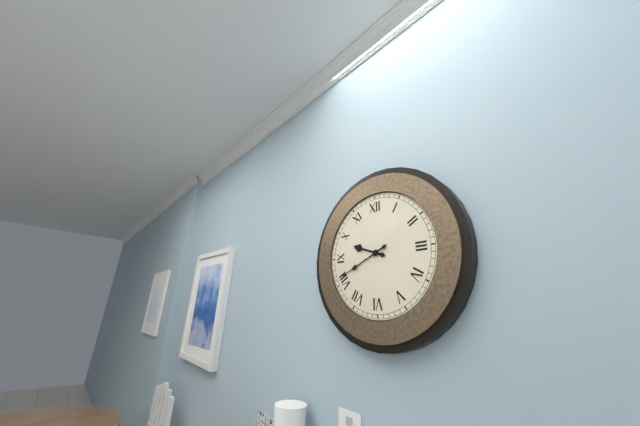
9:41
